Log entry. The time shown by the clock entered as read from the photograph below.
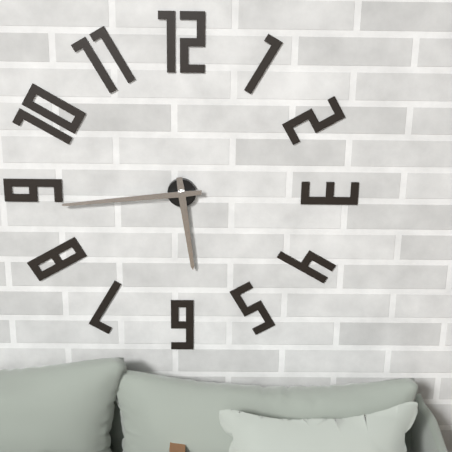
5:44
